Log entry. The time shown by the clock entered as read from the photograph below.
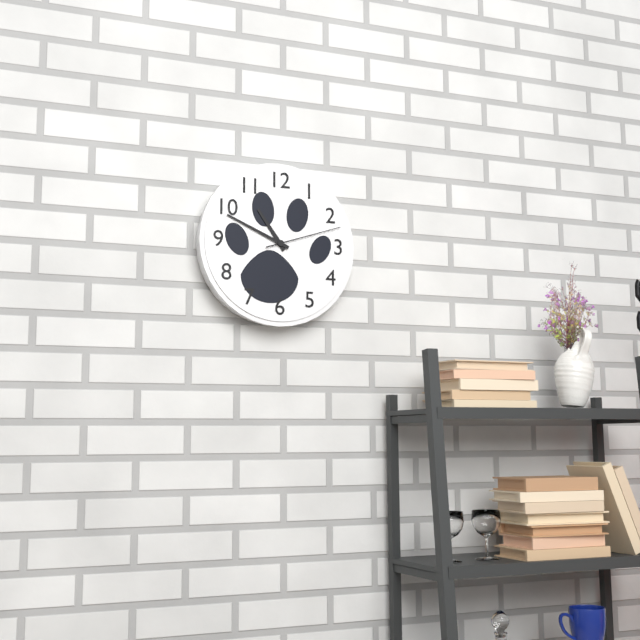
10:49:12
